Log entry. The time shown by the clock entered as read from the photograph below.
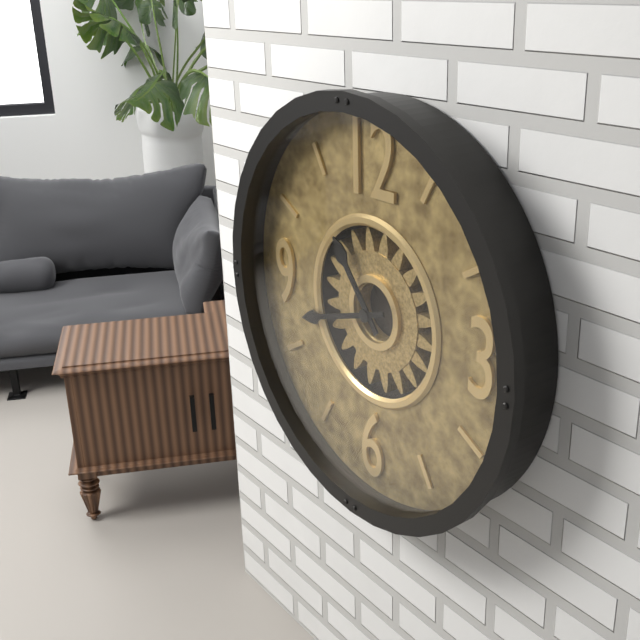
10:42
